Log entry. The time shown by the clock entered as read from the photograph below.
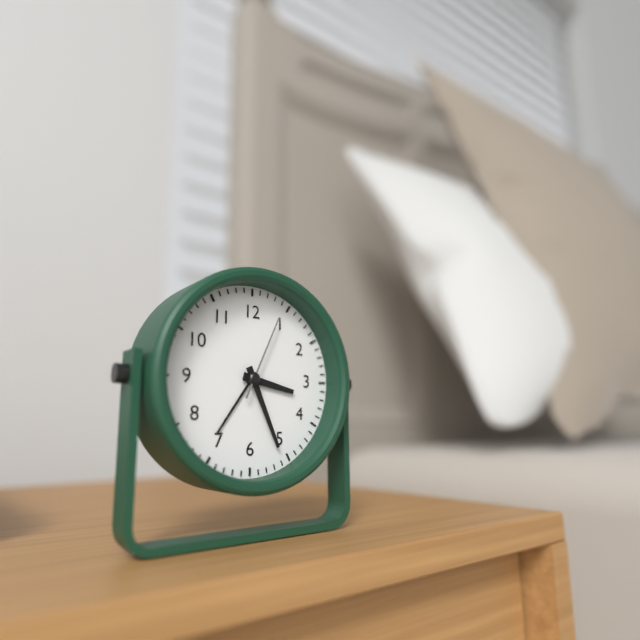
3:26:04
